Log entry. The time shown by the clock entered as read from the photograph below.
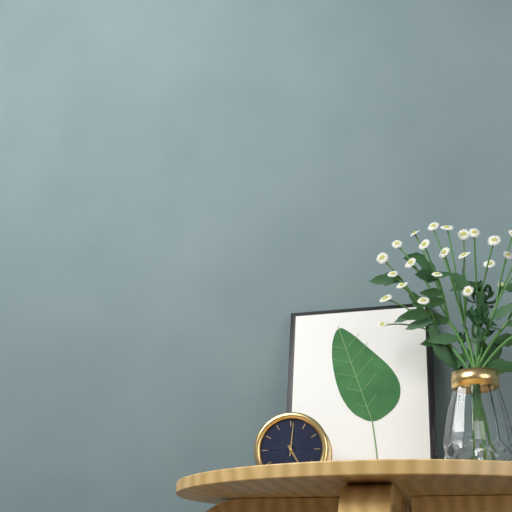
5:01
